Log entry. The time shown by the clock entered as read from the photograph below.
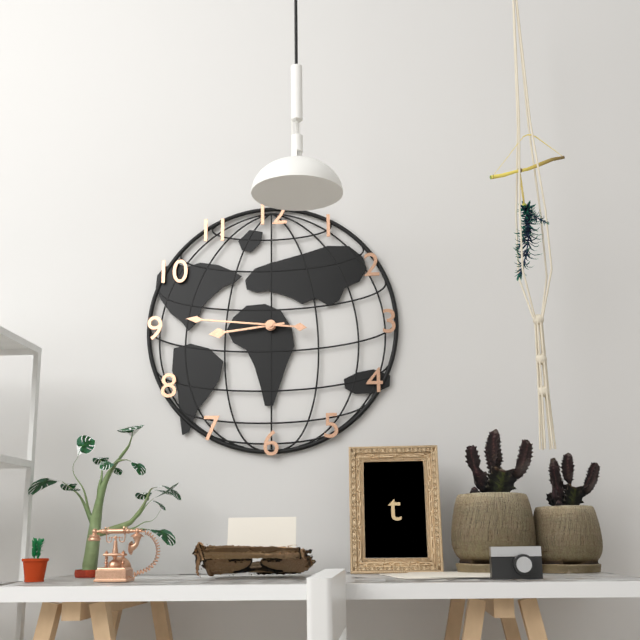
8:46
